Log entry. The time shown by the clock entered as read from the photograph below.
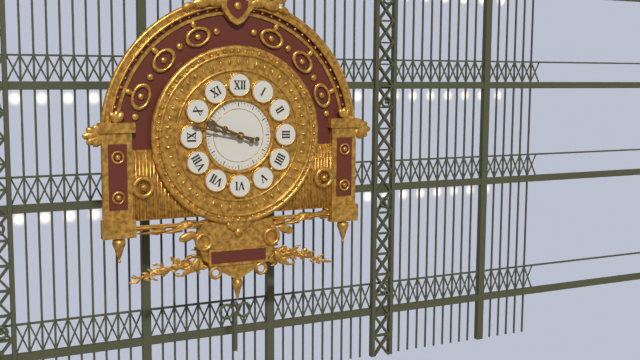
9:47
